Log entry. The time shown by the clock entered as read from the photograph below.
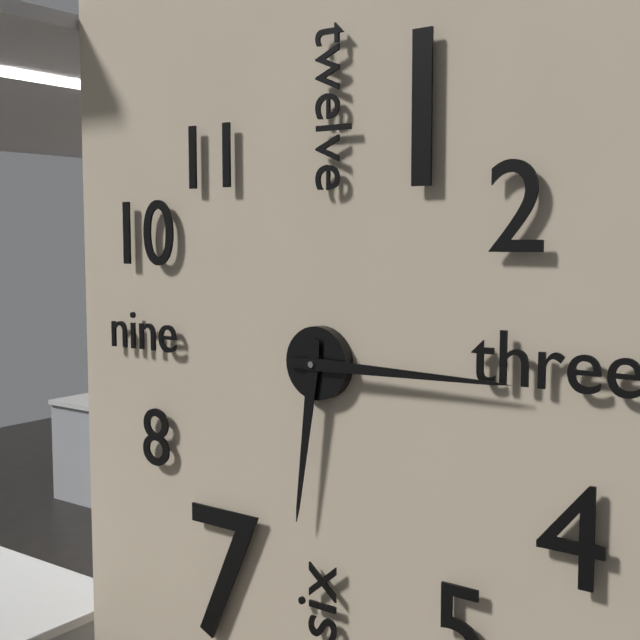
6:15
